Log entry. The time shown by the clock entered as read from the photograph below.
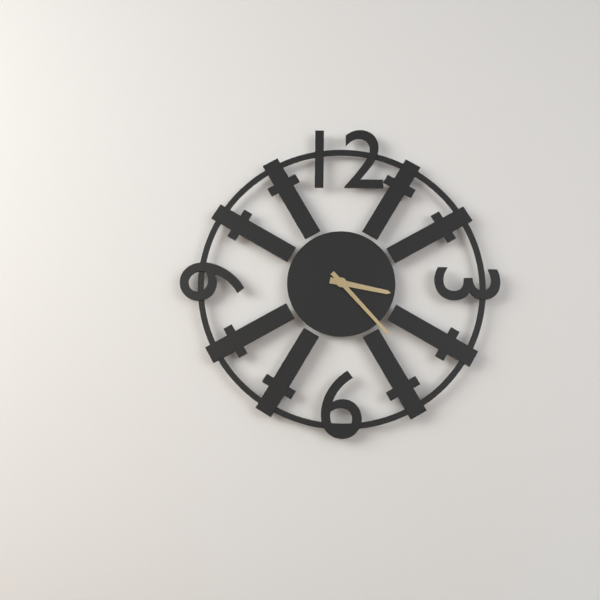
3:23
